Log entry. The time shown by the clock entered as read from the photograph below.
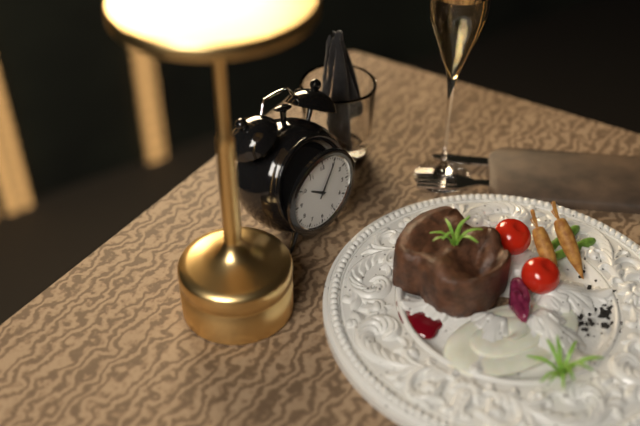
10:05
